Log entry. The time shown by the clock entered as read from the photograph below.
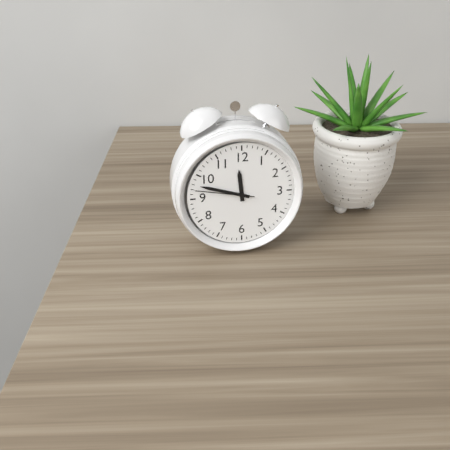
11:48:47
